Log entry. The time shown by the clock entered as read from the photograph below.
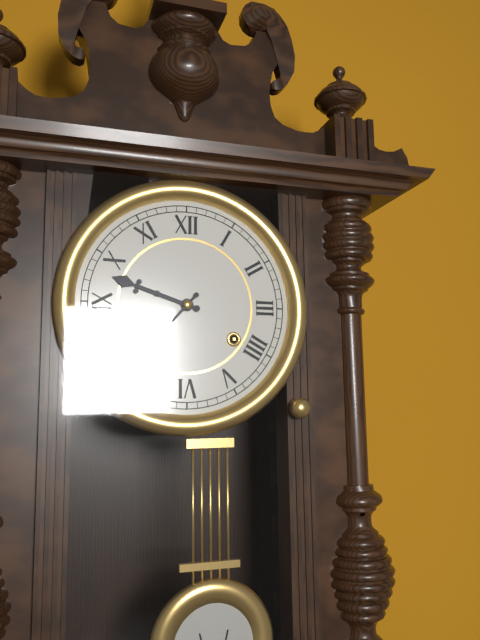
9:37
